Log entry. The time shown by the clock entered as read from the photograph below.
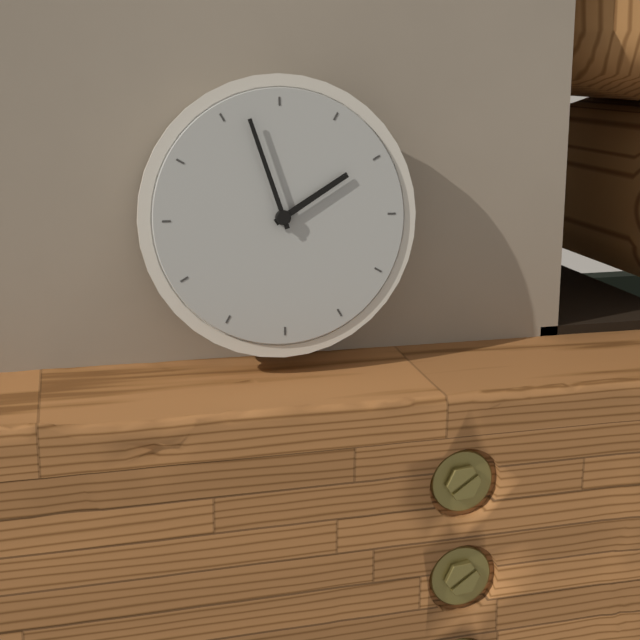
1:57
